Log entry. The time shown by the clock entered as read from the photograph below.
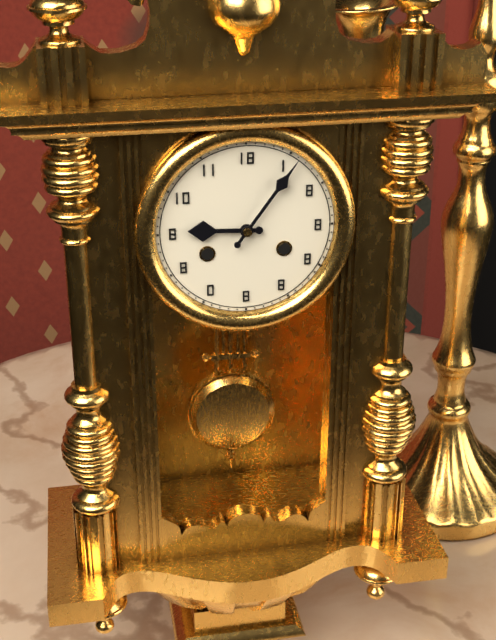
9:06
